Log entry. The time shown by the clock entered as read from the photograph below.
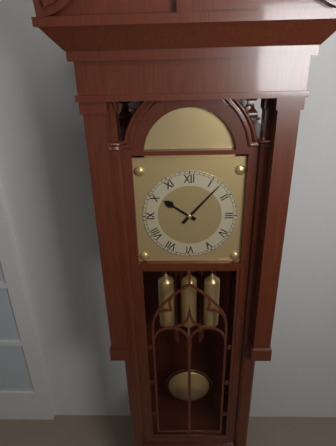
10:07
